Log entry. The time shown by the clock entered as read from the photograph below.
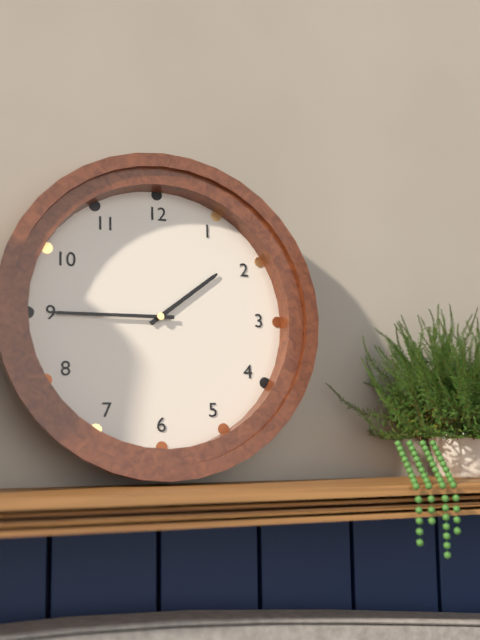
1:45
